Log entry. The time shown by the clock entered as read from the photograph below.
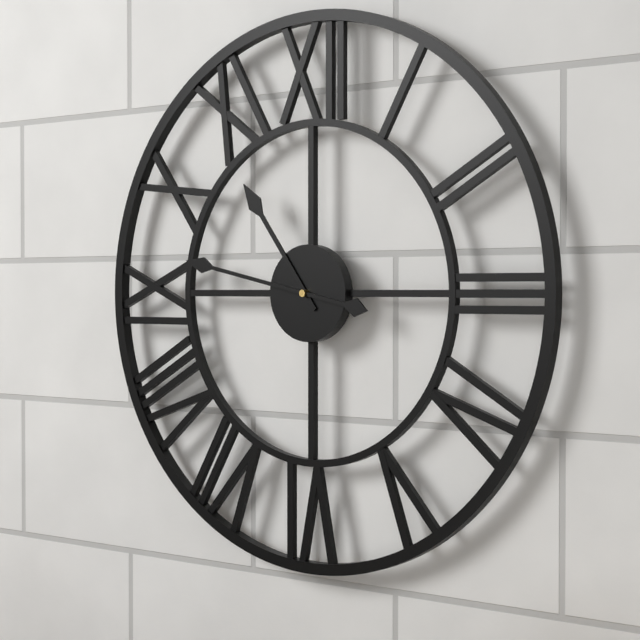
10:47
